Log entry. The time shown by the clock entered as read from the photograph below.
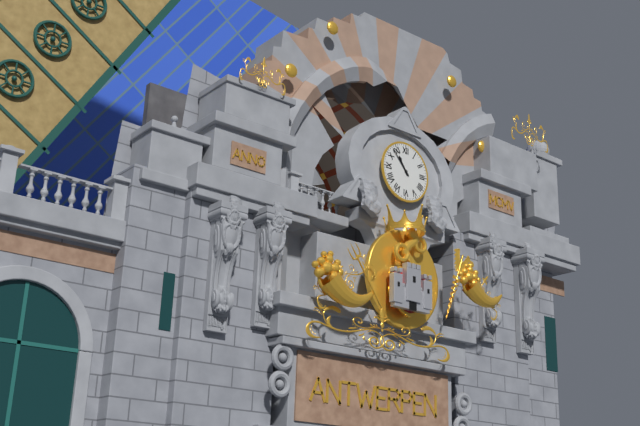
10:53
